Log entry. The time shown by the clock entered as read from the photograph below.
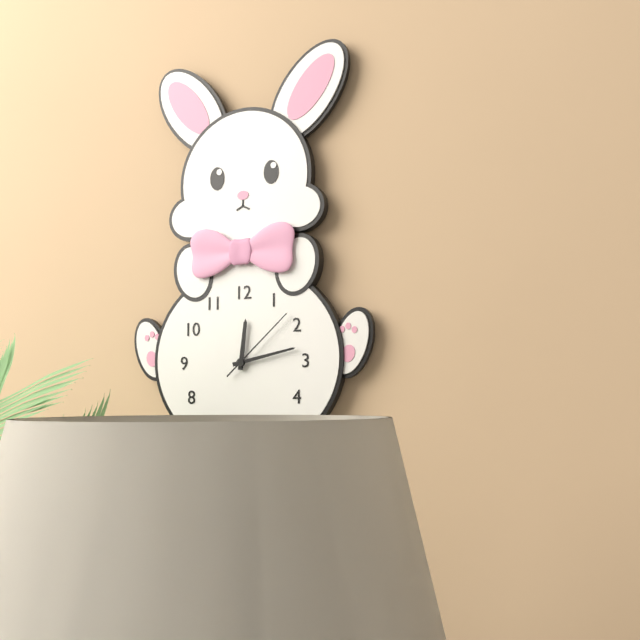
12:13:08
